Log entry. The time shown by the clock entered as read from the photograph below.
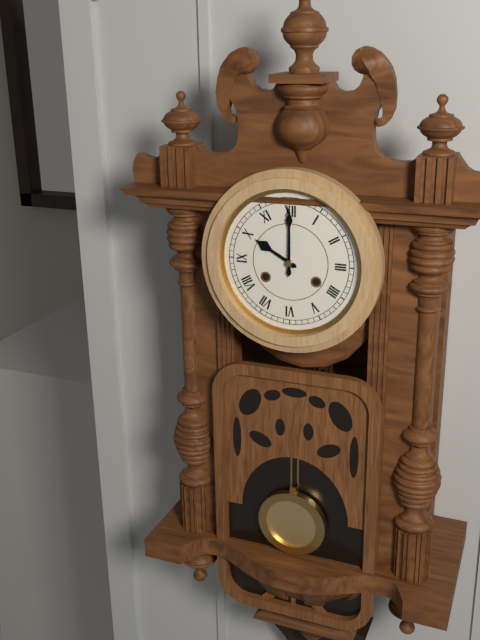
10:00
